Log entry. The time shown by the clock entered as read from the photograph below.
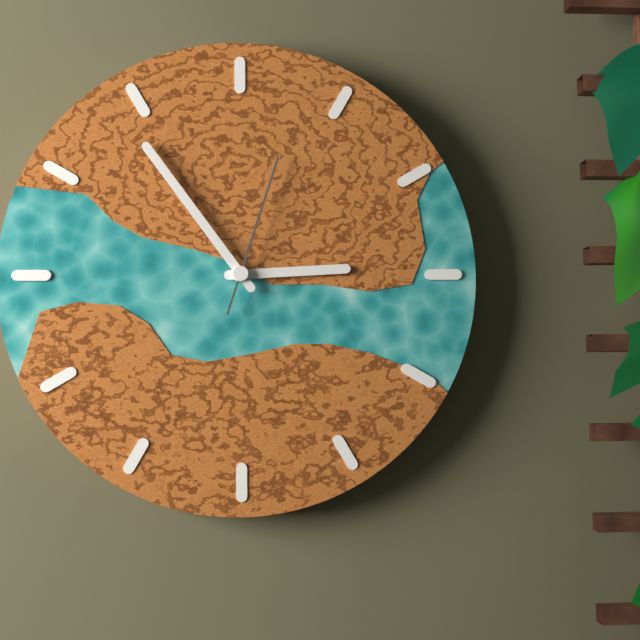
2:54:03
